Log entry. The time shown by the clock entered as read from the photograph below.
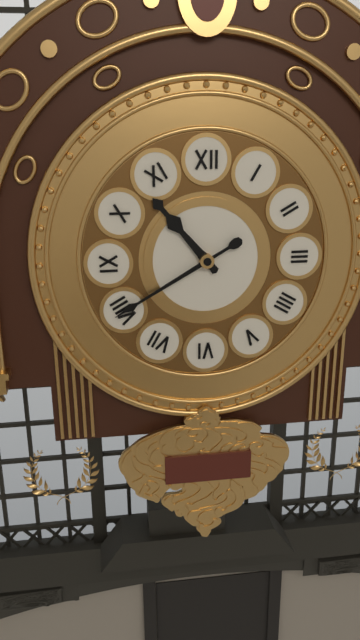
10:40
